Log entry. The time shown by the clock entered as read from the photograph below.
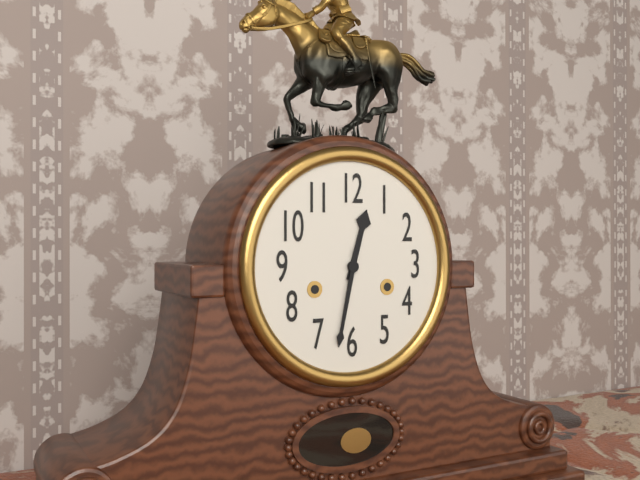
12:32
